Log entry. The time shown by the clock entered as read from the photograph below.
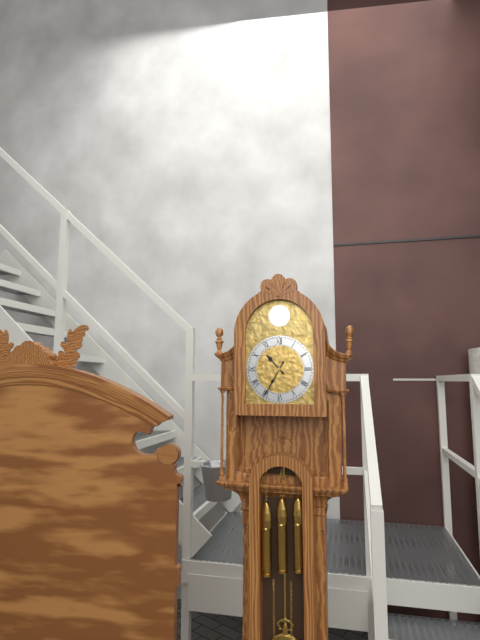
10:35
